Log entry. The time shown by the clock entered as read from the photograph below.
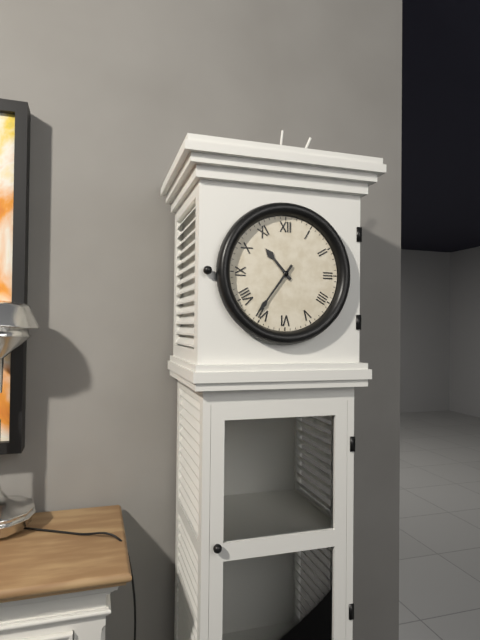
10:36
